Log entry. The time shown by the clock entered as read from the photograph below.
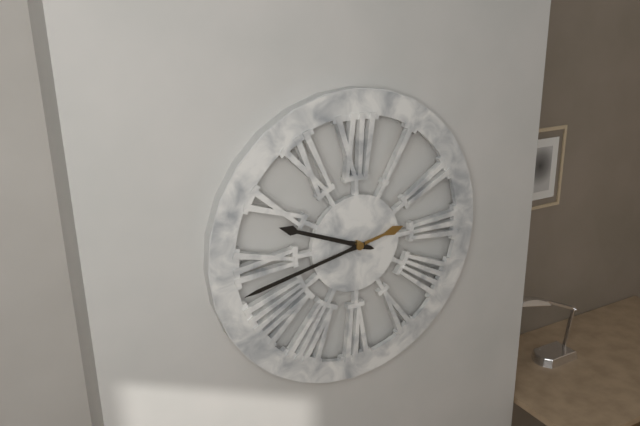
9:43
